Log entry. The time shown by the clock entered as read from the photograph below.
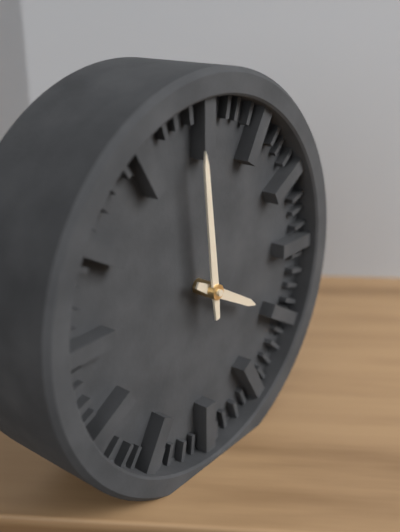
3:59
